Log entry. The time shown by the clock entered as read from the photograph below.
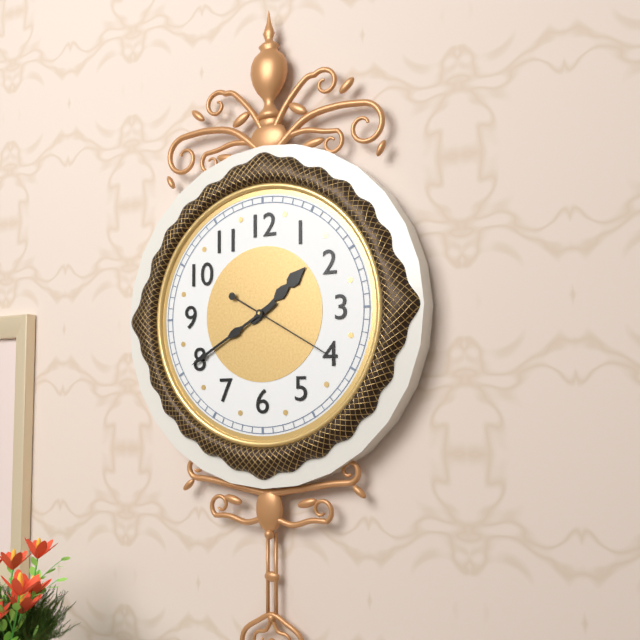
1:40:20
